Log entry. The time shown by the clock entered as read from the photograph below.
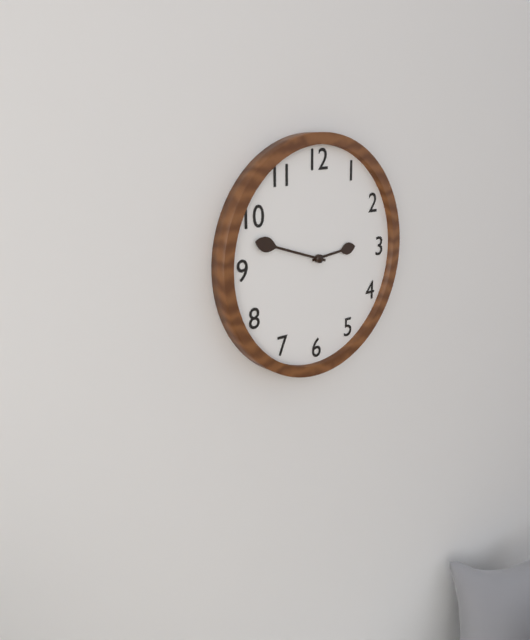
2:48
